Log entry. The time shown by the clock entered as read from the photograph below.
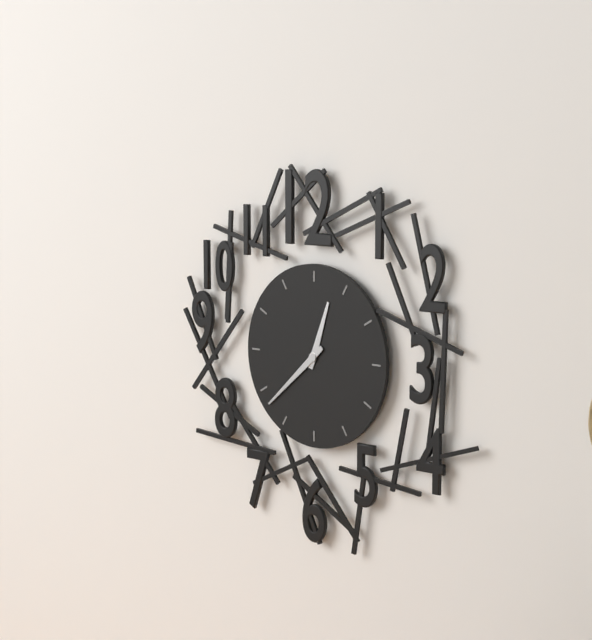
12:38
